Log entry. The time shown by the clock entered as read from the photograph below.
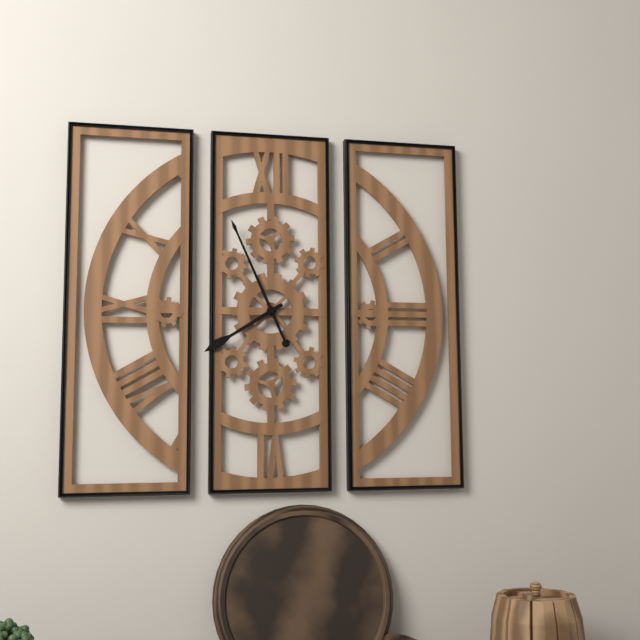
7:56
